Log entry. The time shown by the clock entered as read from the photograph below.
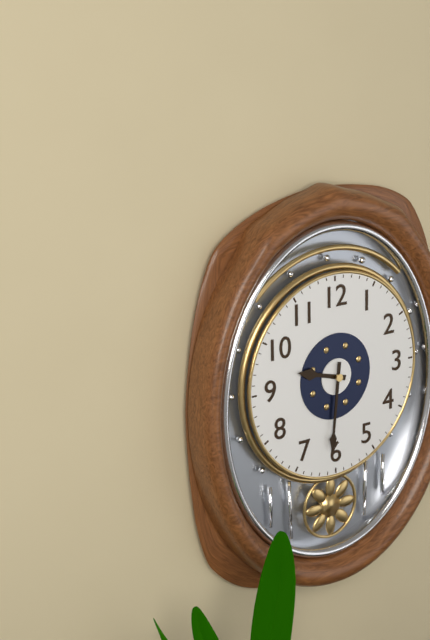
9:31
